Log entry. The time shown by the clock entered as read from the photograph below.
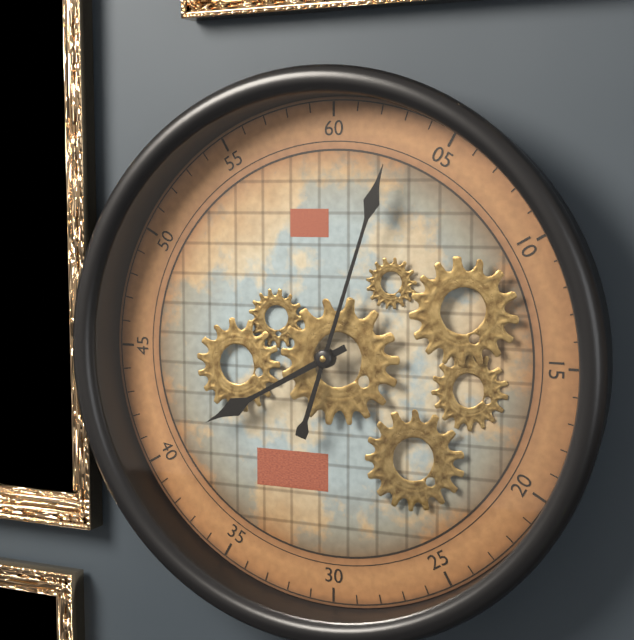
8:03
